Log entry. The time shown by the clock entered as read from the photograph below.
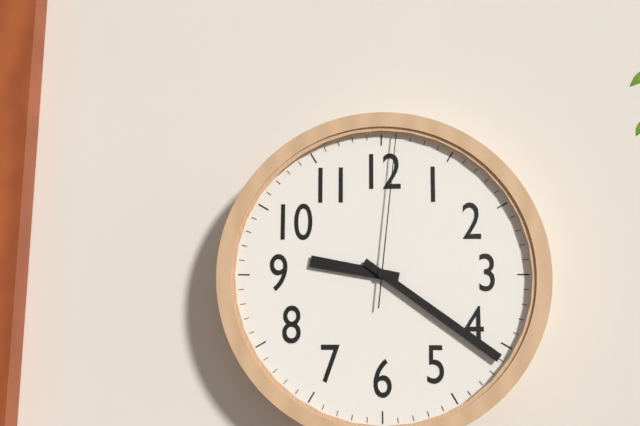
9:21:01
